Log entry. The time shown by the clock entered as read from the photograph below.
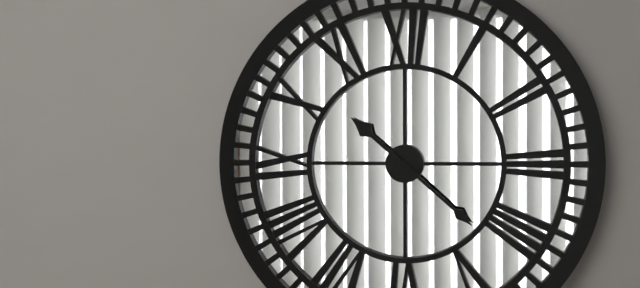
10:22
